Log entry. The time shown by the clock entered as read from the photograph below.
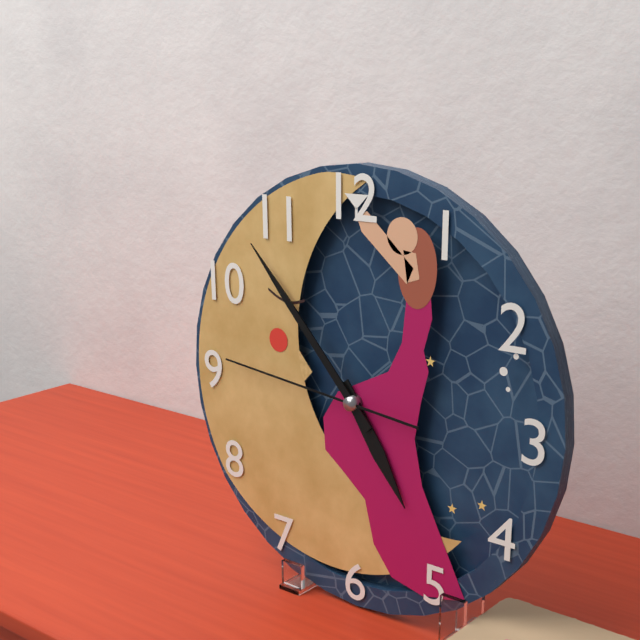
4:53:46
